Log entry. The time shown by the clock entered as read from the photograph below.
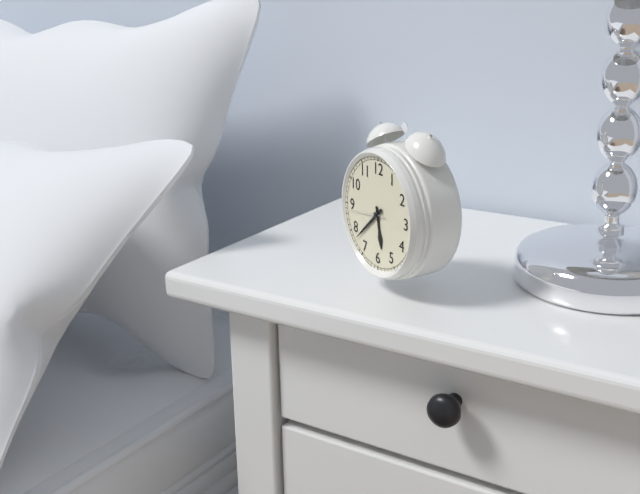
5:38
